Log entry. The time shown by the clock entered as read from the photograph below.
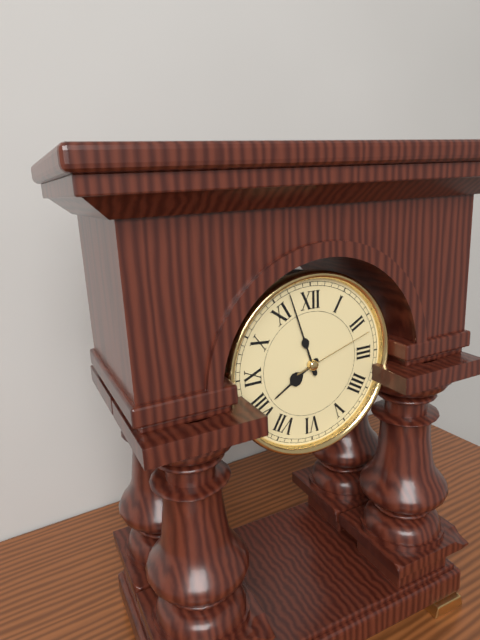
7:57:12
